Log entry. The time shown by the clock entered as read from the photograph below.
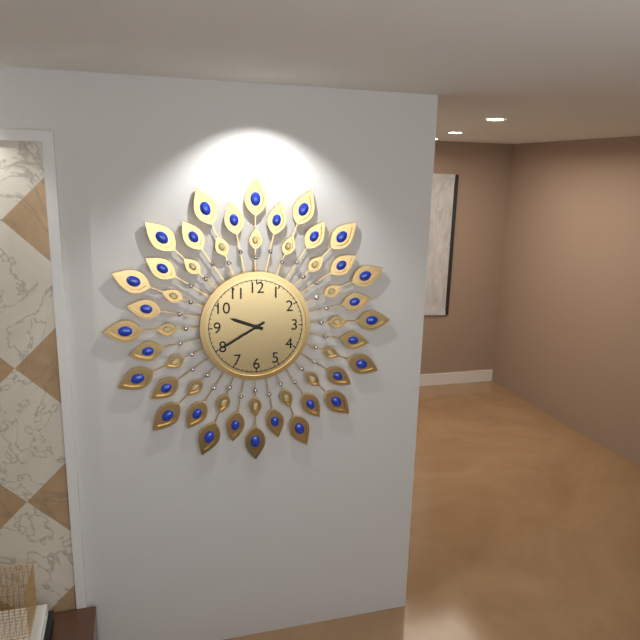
9:40
